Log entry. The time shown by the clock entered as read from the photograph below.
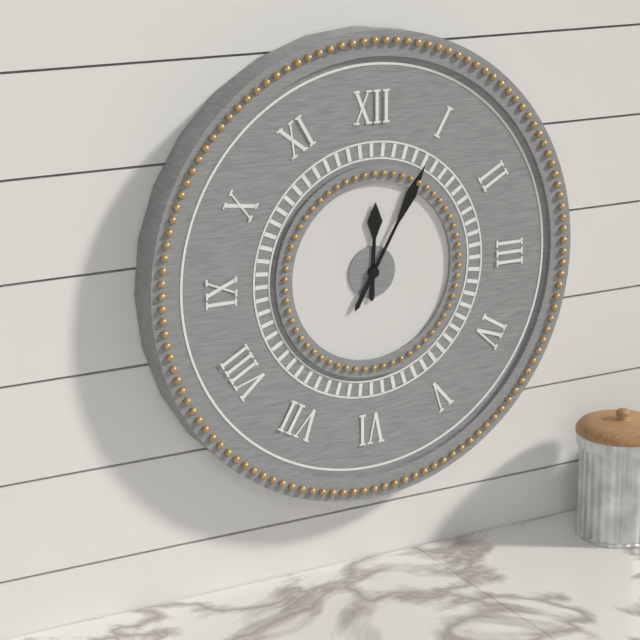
12:05
